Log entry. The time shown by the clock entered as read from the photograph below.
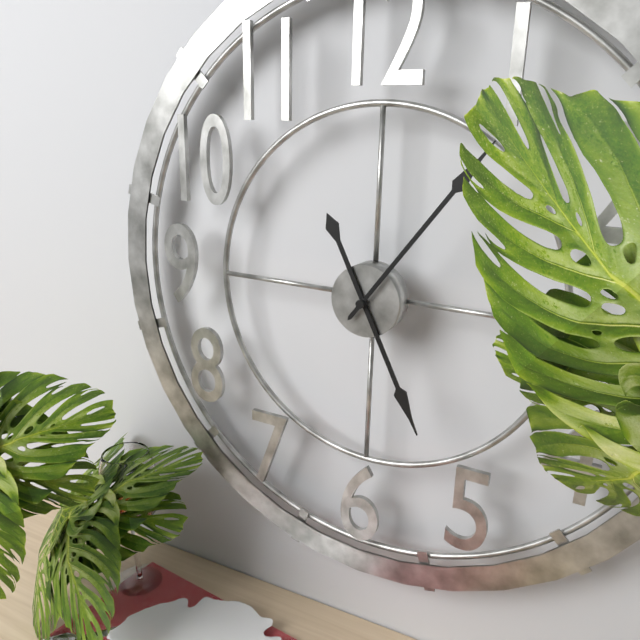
5:06
